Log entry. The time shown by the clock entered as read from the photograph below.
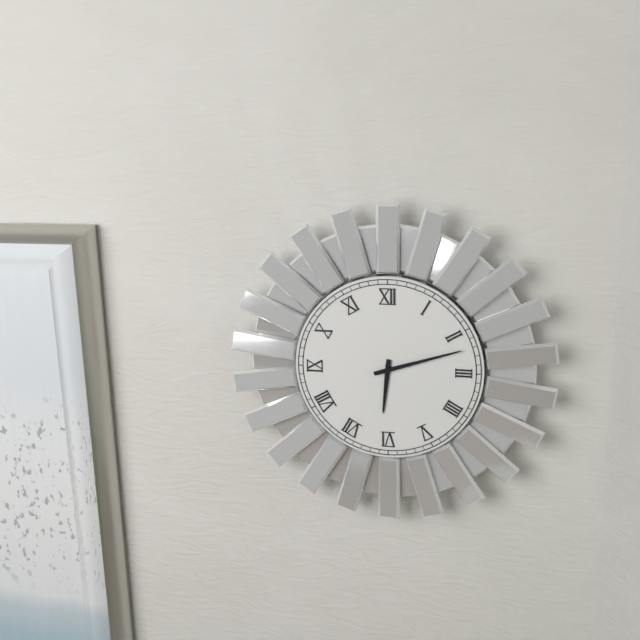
6:12
